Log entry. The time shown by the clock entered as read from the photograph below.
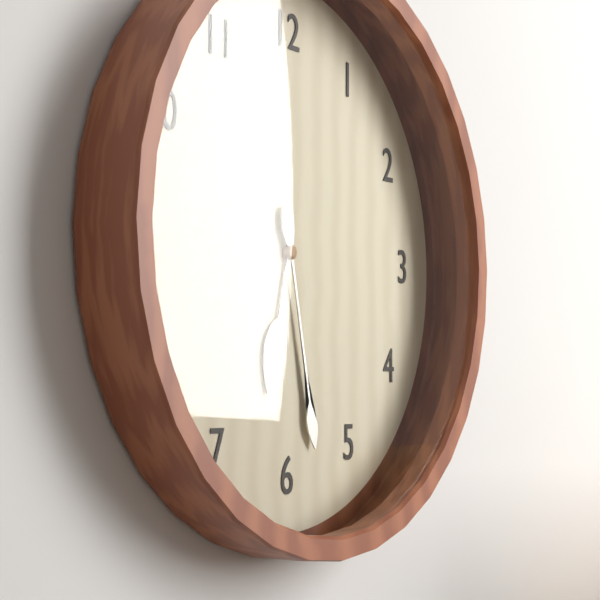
6:28
